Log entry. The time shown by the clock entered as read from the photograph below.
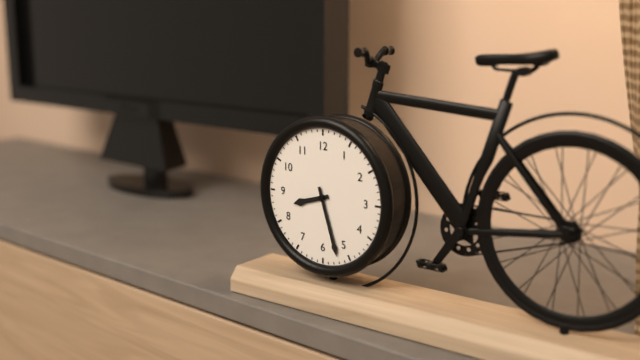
8:27
